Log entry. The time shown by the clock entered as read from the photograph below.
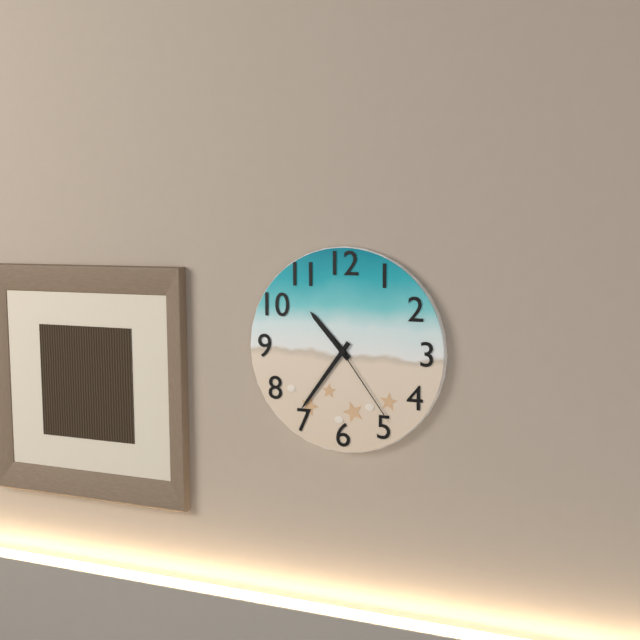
10:36:24
